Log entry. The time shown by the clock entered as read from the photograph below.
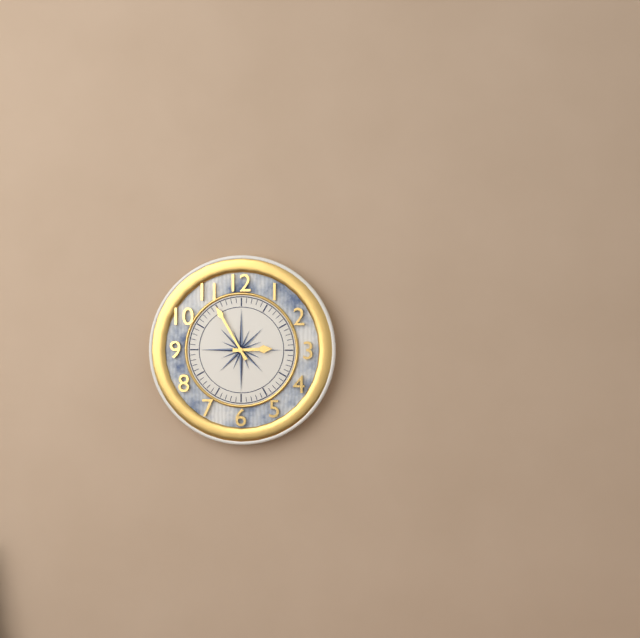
2:55
